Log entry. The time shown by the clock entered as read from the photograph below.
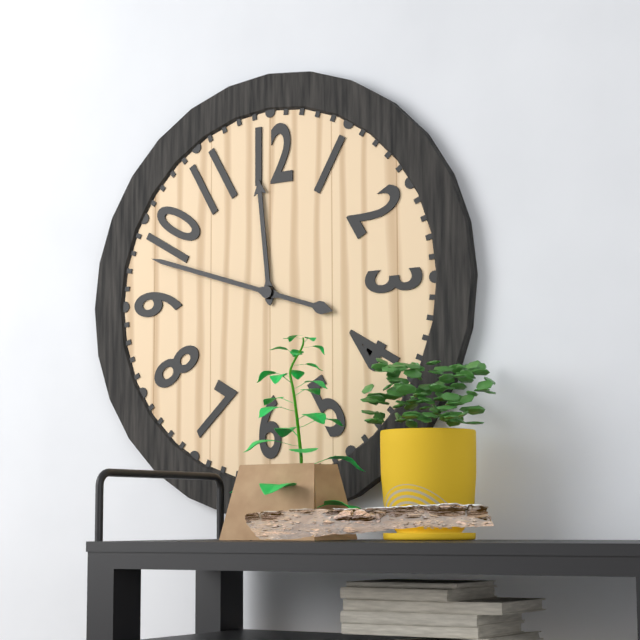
11:48
